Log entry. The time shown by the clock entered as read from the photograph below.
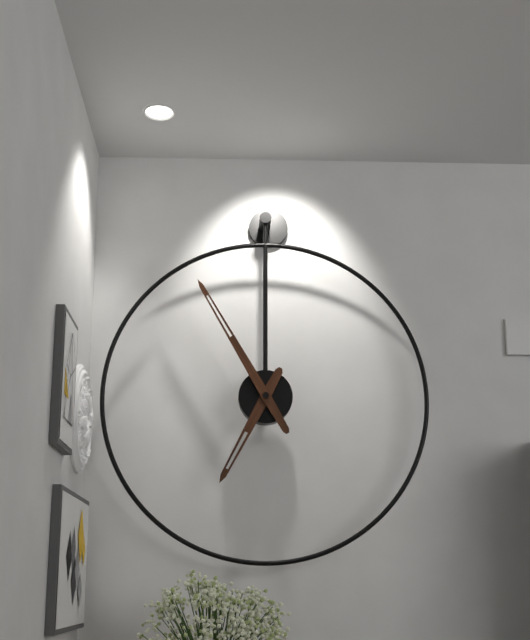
6:55
